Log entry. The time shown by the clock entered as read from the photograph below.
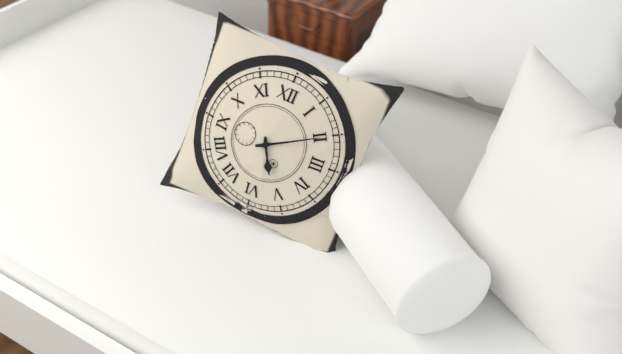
5:10
